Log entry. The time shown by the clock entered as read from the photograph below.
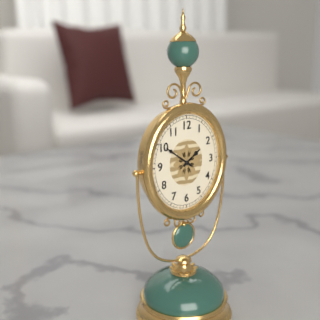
1:51
